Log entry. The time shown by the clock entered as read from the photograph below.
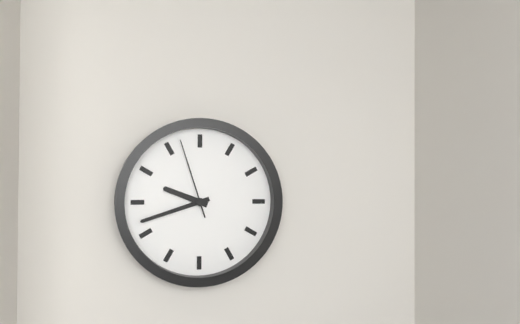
9:42:57
